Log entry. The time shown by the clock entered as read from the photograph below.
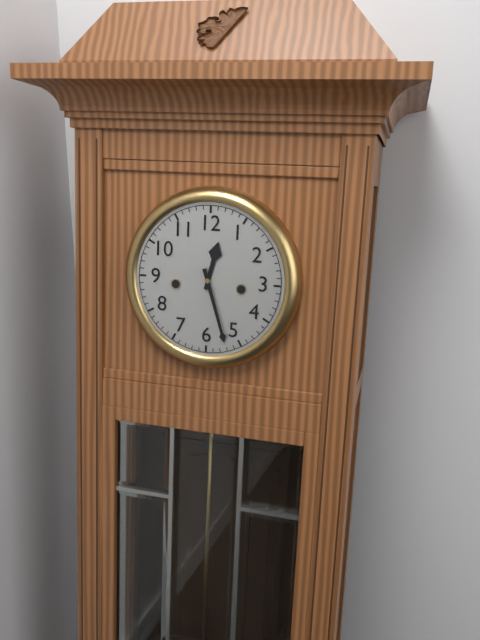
12:27
